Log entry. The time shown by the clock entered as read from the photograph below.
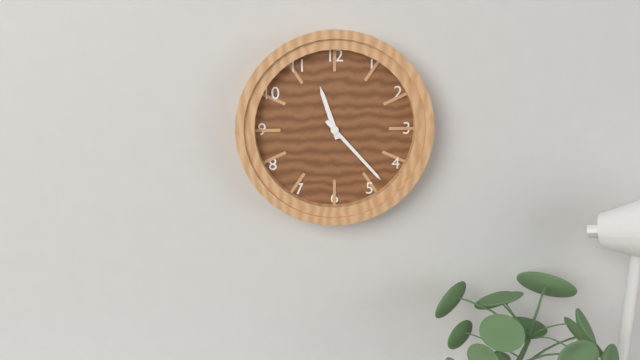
11:23
